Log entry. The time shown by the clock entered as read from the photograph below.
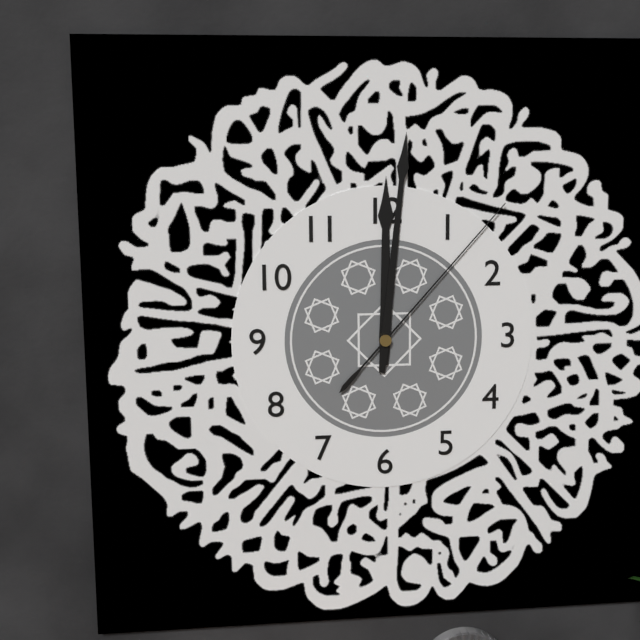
12:01:07
